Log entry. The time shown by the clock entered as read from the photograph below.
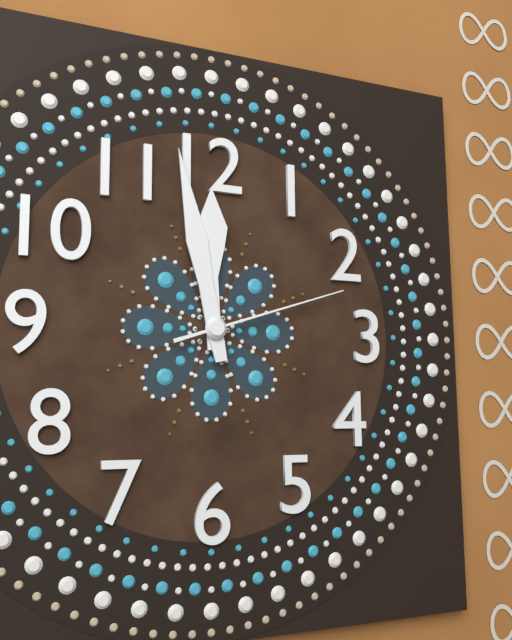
11:58:12
